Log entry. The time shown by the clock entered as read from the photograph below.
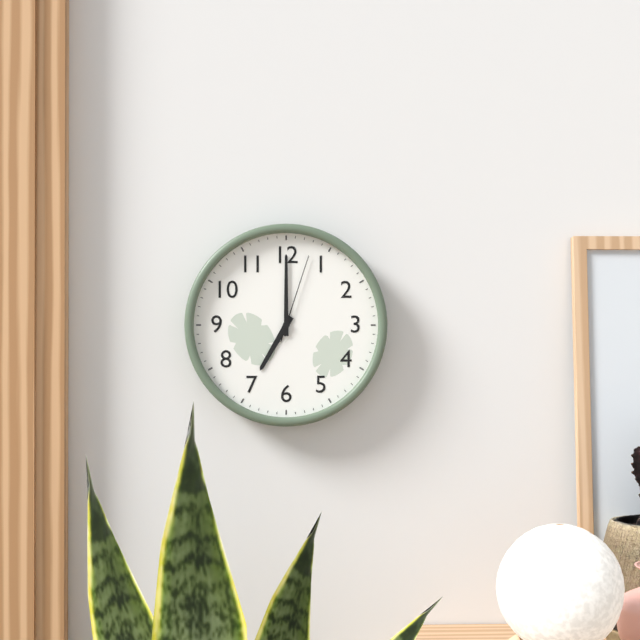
7:00:03
